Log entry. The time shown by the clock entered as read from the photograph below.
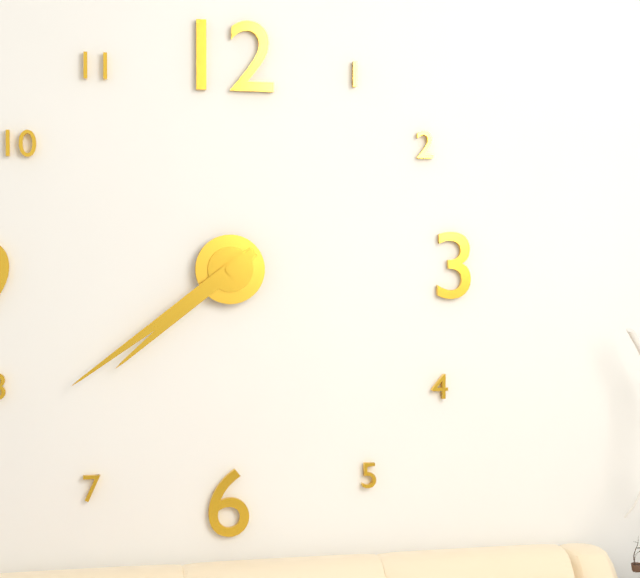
7:39
